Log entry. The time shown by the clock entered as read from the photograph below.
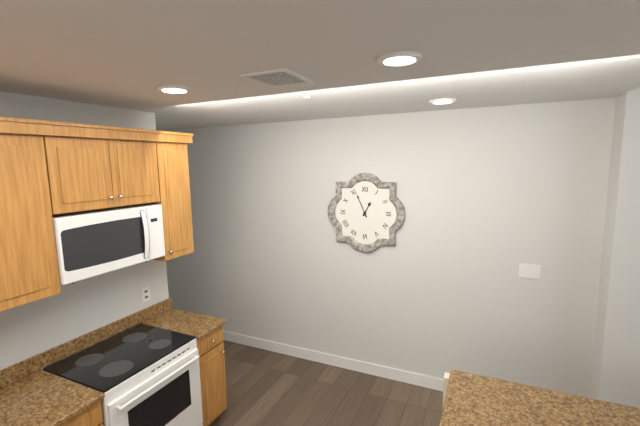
12:56
